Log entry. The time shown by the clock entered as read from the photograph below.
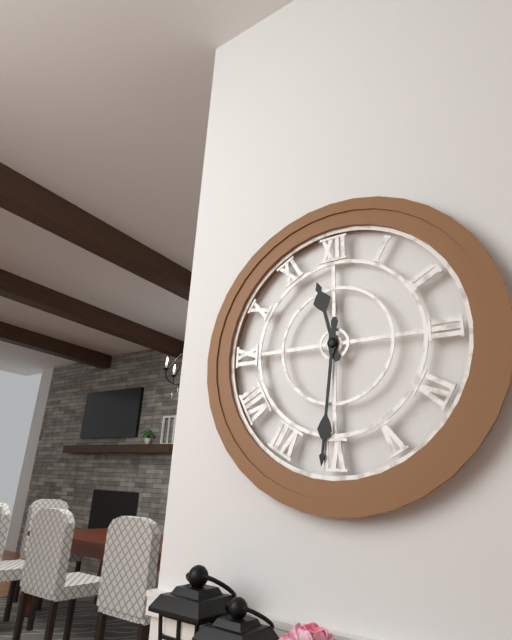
11:31
